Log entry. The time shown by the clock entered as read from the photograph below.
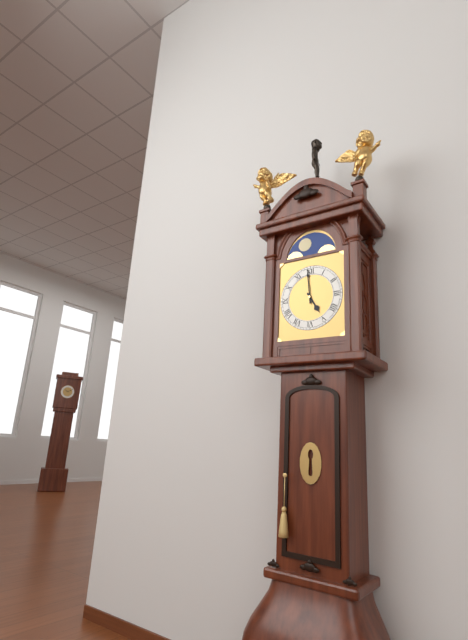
4:59
